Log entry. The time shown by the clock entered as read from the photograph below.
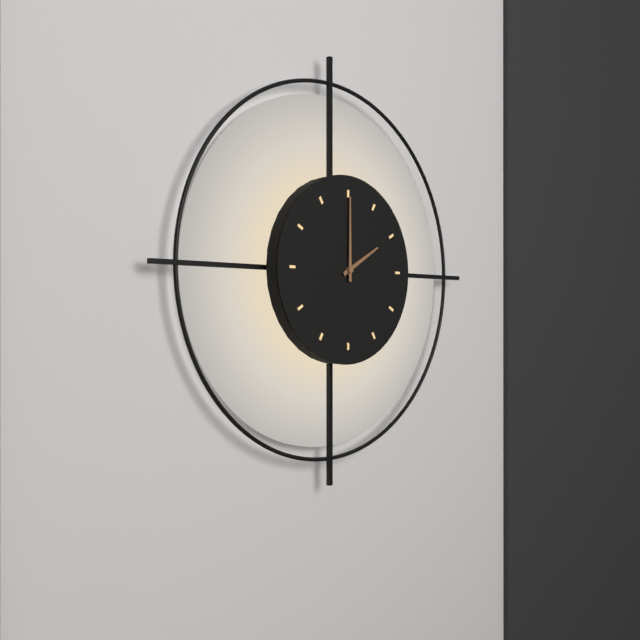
2:00
